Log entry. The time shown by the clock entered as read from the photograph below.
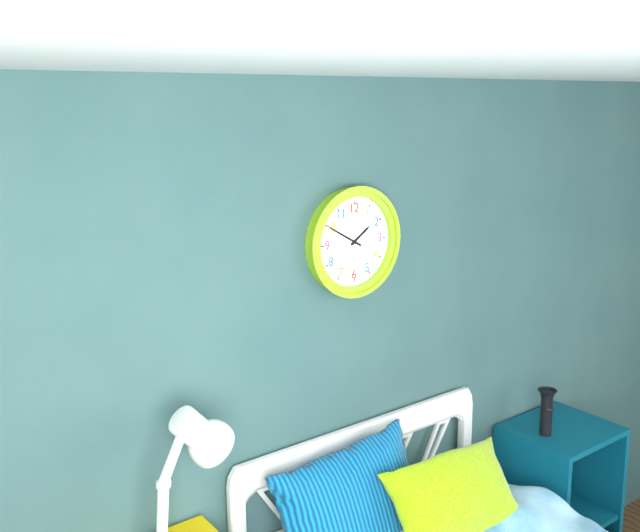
1:50
